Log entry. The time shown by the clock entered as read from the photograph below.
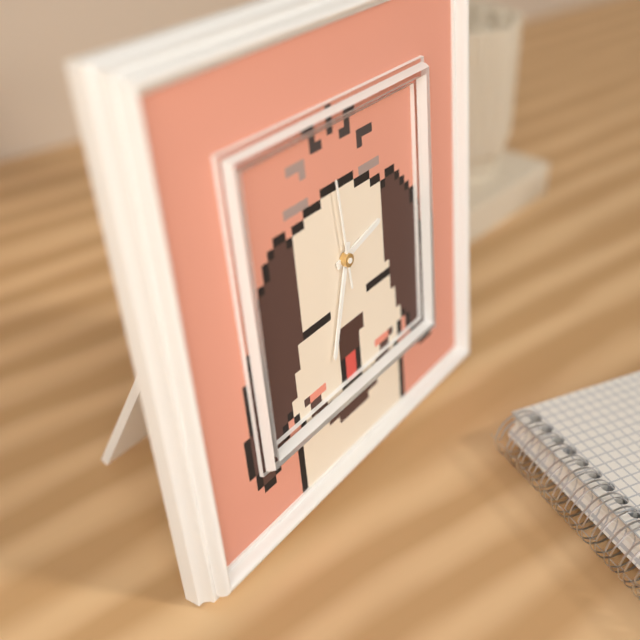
2:33:59
